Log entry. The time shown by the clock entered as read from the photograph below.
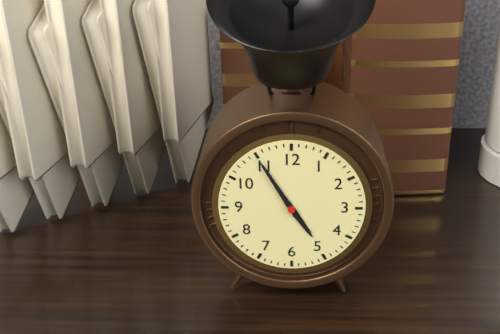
4:55
